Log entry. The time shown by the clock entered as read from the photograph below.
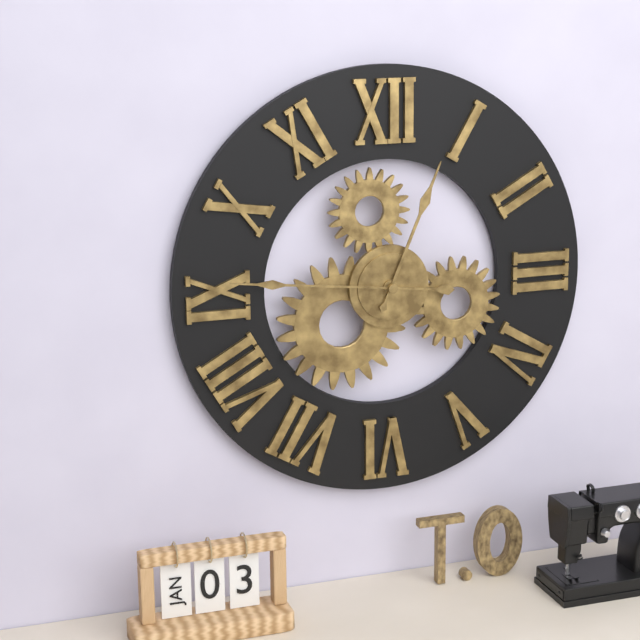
12:46
